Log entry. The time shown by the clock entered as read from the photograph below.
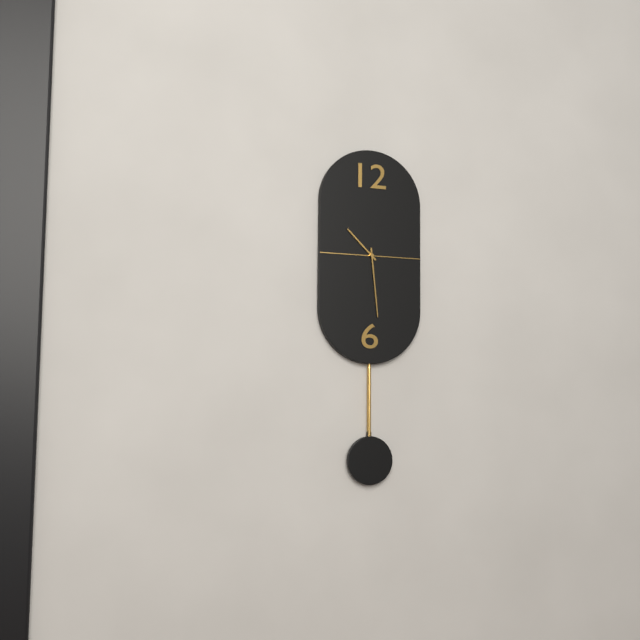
10:29
